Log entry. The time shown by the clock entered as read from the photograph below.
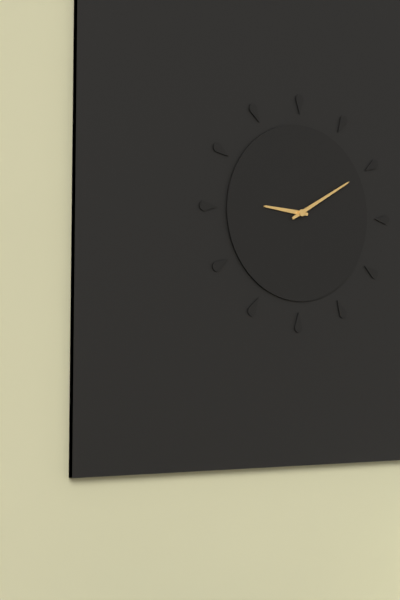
9:10
